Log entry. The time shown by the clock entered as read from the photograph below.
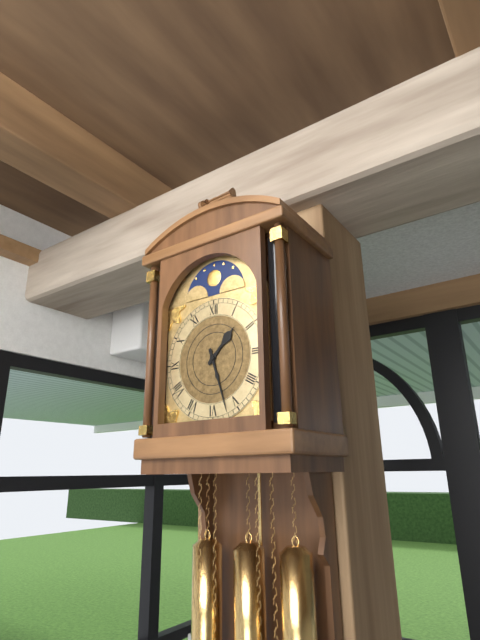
1:27
